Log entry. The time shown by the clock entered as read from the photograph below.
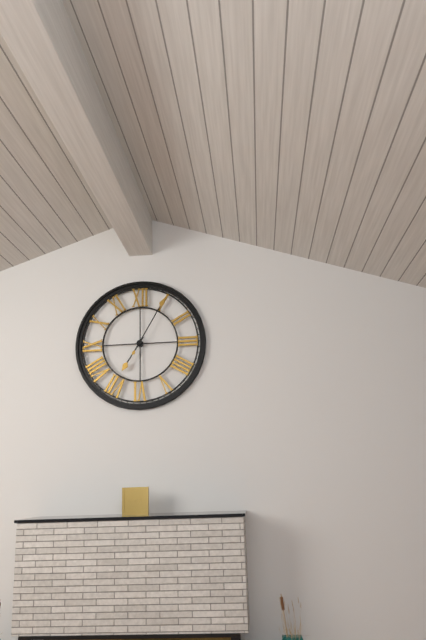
7:05
